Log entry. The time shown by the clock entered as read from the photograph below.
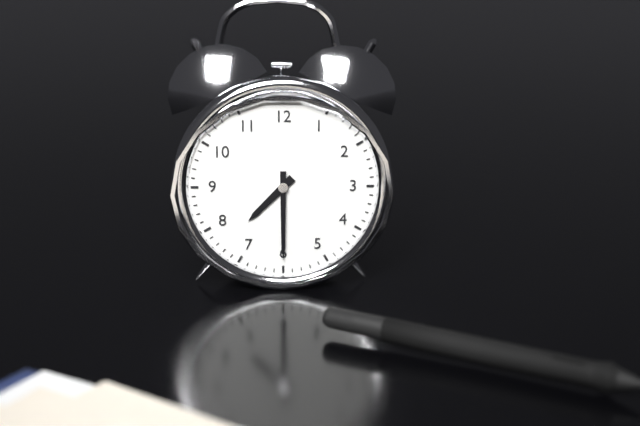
7:30
